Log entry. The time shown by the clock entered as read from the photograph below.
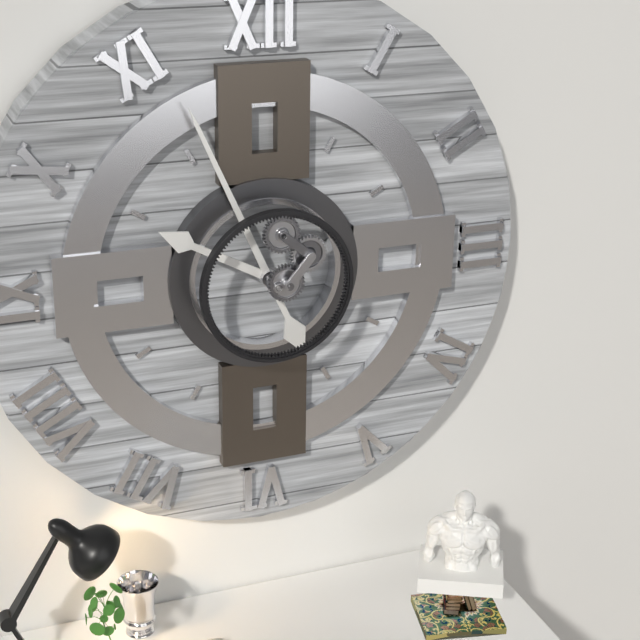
9:56
